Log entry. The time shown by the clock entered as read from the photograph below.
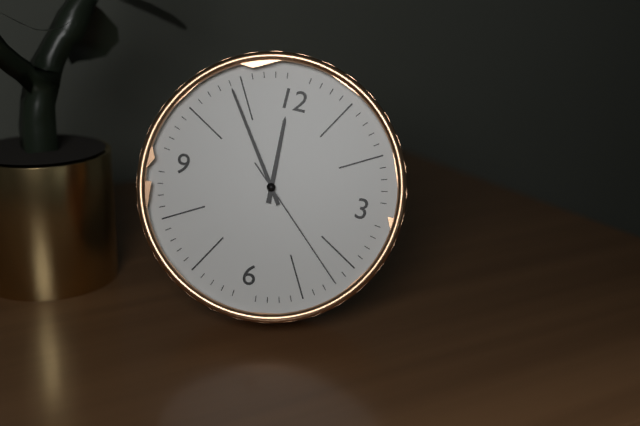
11:54:22
